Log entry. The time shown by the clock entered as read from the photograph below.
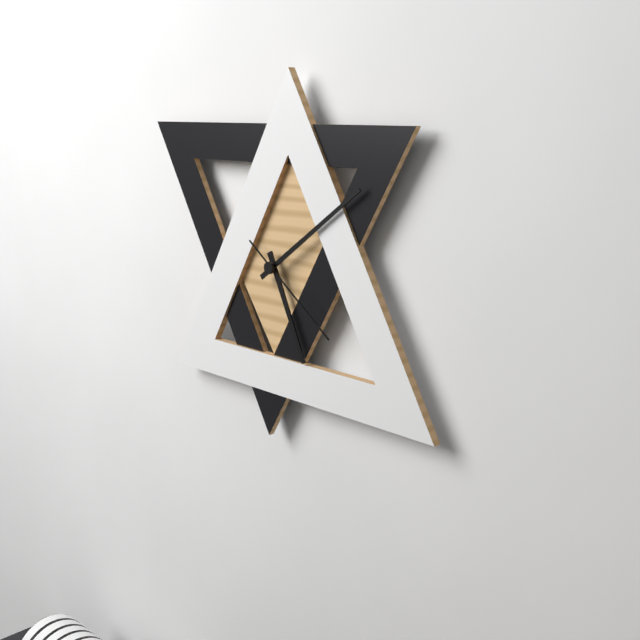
5:09:21
